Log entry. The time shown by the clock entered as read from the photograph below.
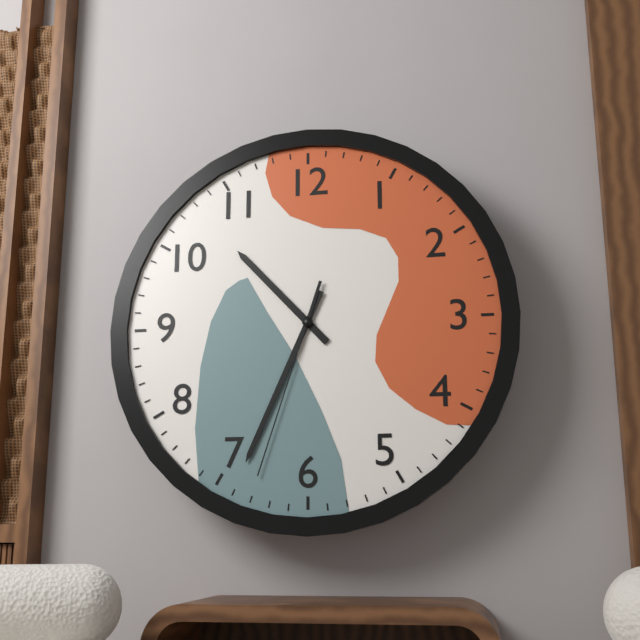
10:34:33
